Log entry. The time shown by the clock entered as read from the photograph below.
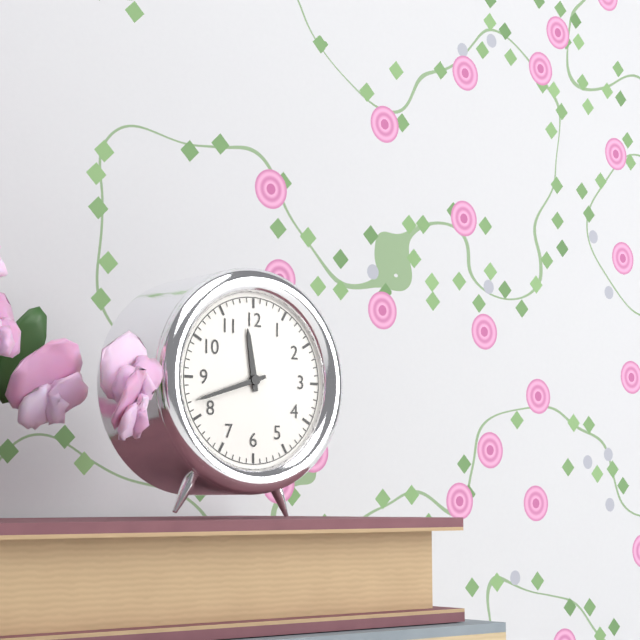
11:42
